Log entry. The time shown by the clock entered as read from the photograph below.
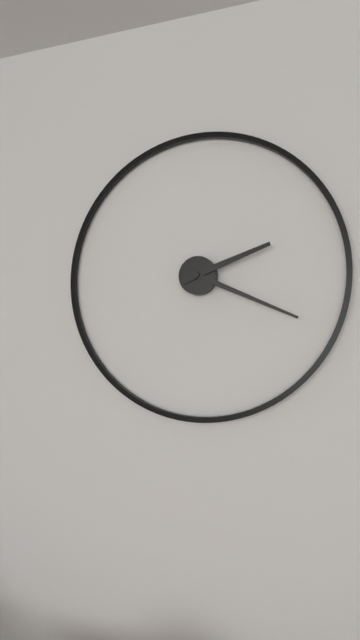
2:19
